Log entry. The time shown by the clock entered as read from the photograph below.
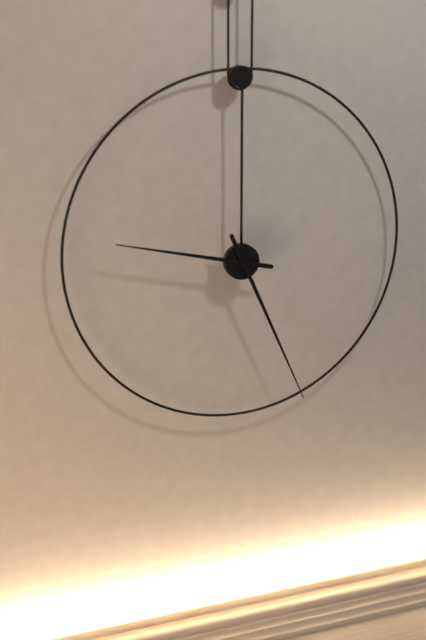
9:26
